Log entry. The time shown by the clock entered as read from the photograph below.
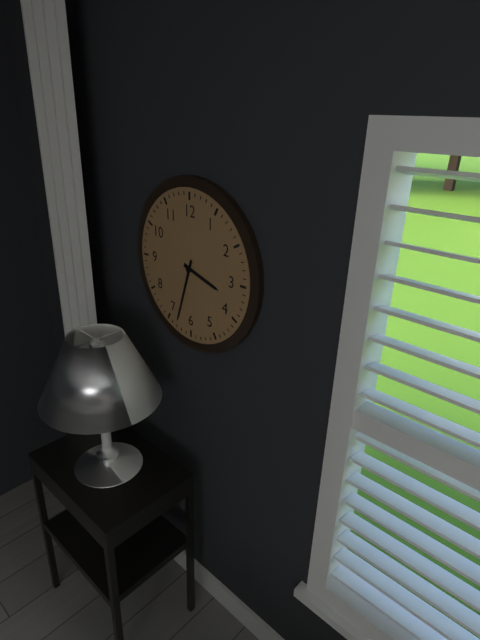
3:33
